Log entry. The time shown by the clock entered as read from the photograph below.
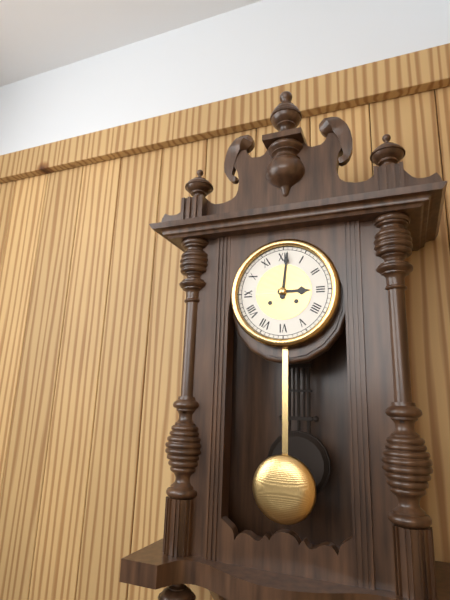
3:01
